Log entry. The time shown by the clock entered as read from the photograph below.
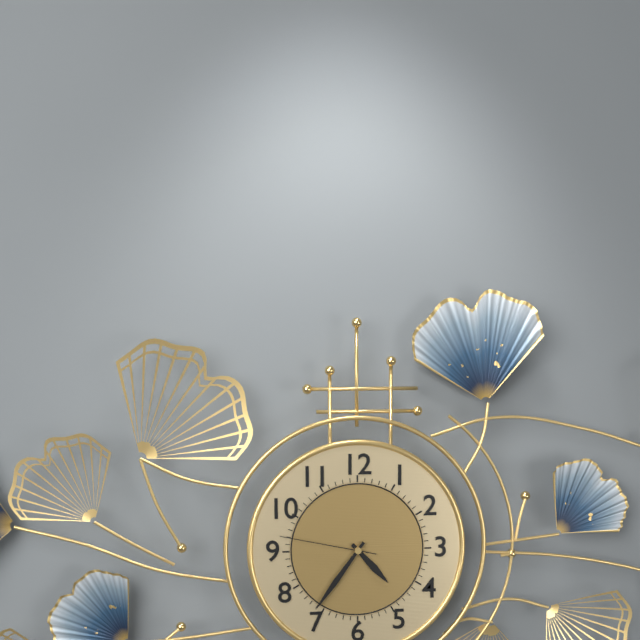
4:36:47
